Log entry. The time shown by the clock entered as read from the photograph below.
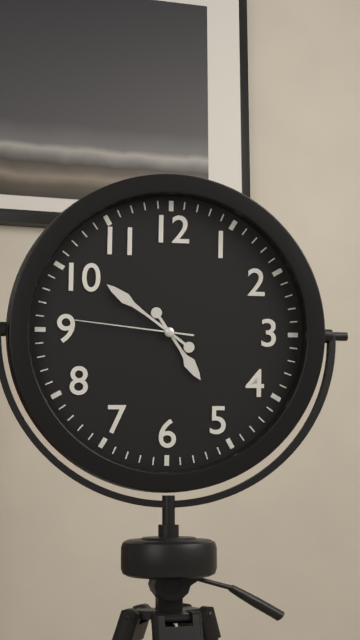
4:51:46
